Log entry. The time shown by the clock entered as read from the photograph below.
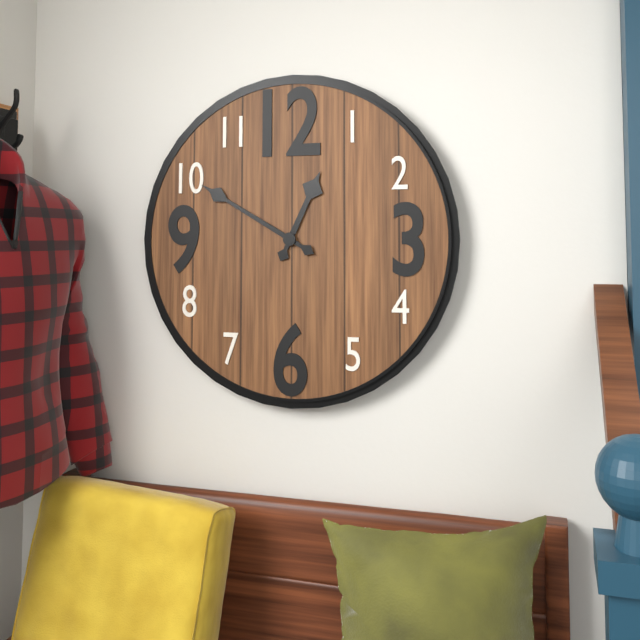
12:50
